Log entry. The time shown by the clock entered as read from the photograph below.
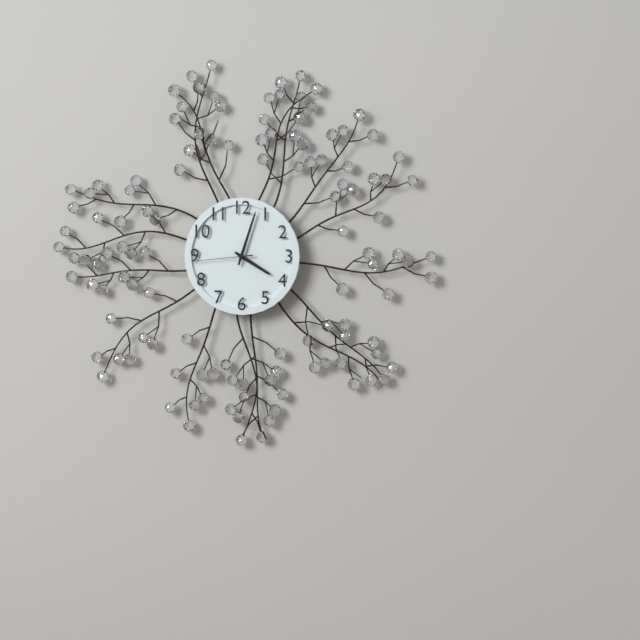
4:03:44
